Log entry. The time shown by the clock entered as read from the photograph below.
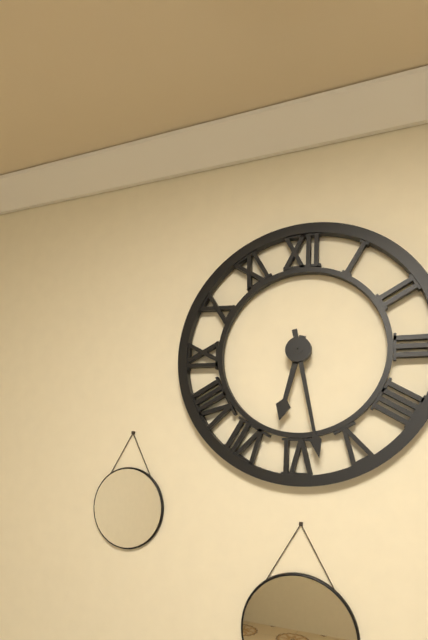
6:28
